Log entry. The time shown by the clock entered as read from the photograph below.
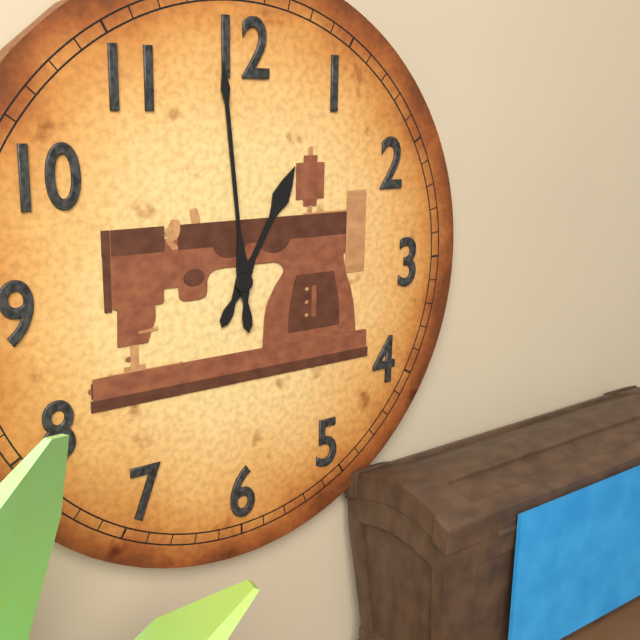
12:59
